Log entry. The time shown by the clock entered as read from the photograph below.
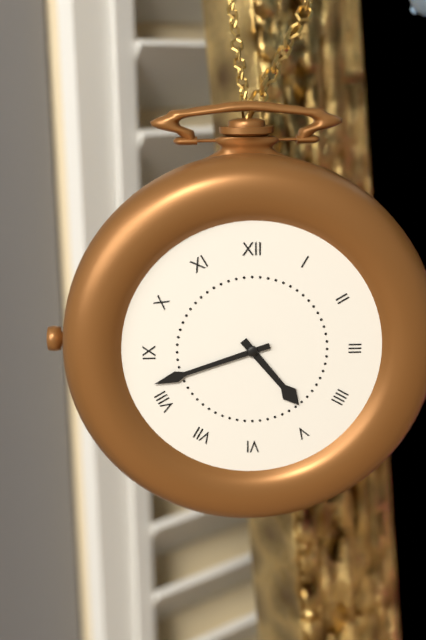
4:42
